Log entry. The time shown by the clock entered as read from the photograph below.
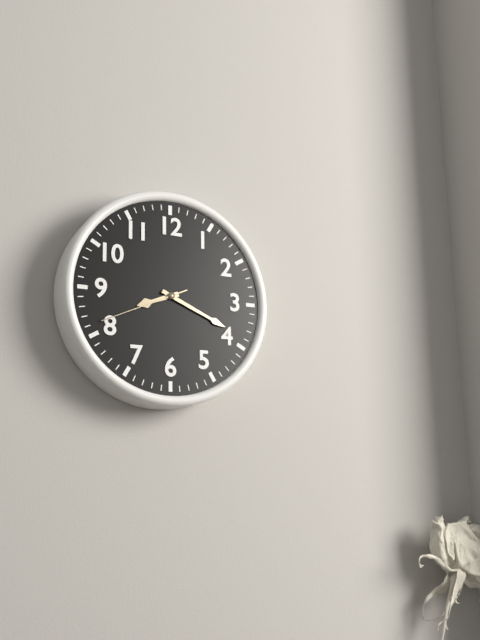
8:19:41
